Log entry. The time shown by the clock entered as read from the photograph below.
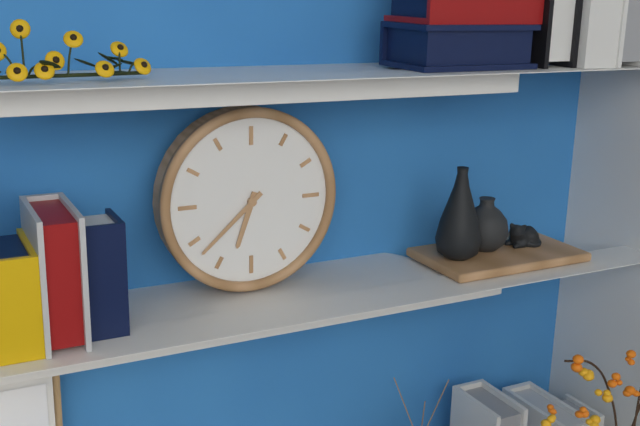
6:38
